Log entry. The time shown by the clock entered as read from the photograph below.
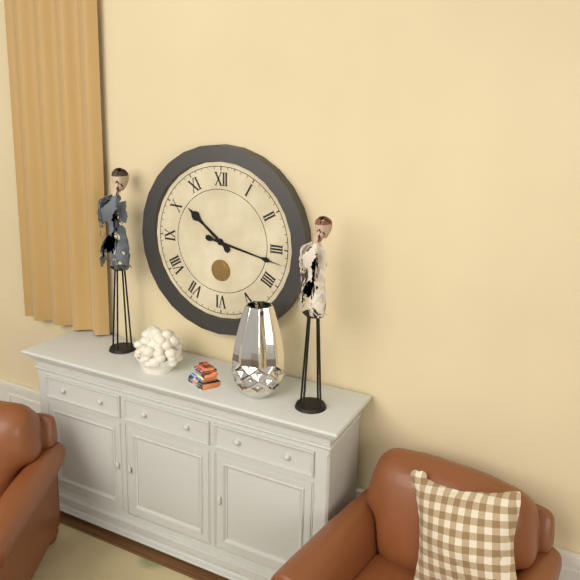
10:17
